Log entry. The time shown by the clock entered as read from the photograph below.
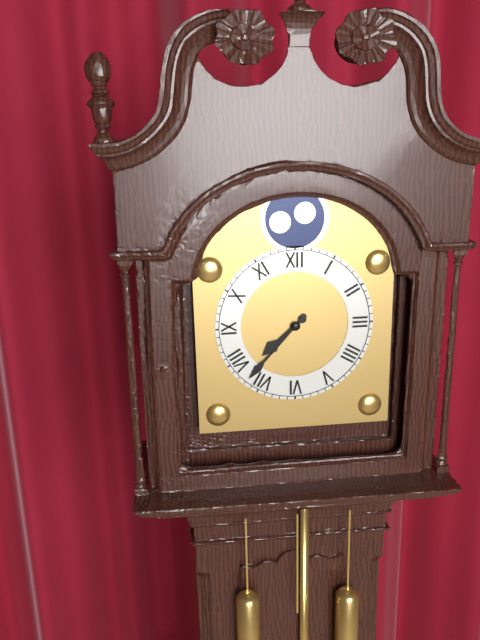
7:37
